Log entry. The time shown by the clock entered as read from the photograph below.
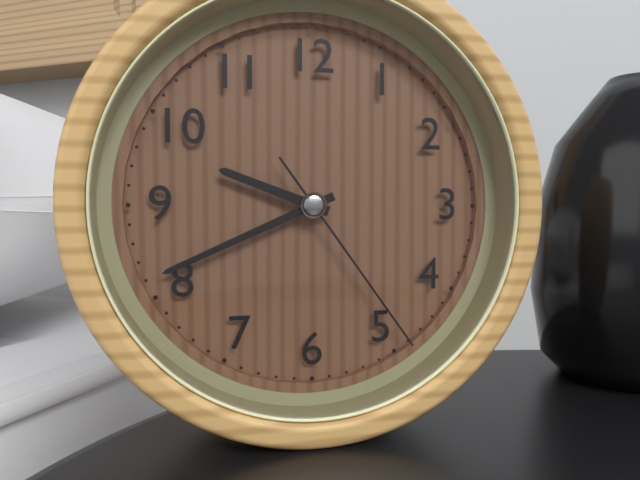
9:41:24
